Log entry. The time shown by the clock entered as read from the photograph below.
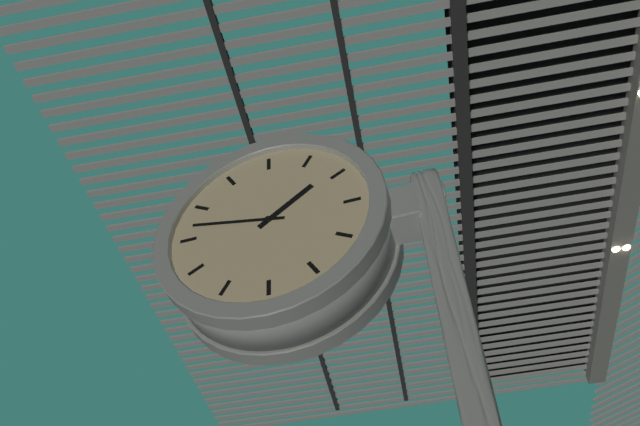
1:47
